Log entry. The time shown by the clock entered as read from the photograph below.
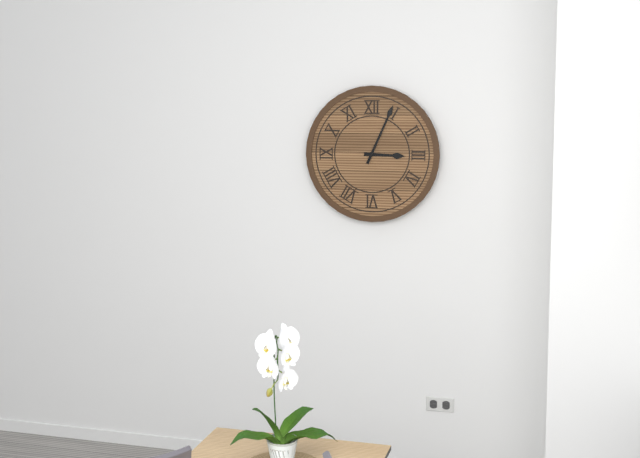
3:04
